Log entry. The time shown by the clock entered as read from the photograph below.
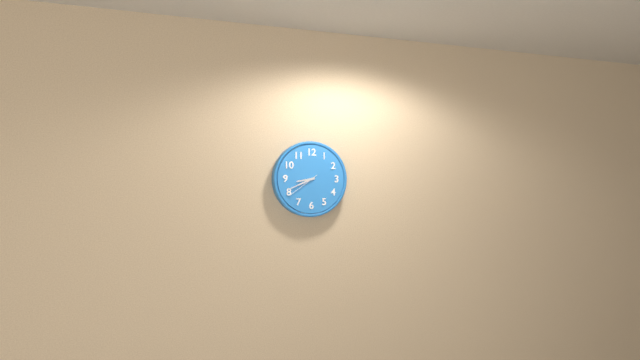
8:41
